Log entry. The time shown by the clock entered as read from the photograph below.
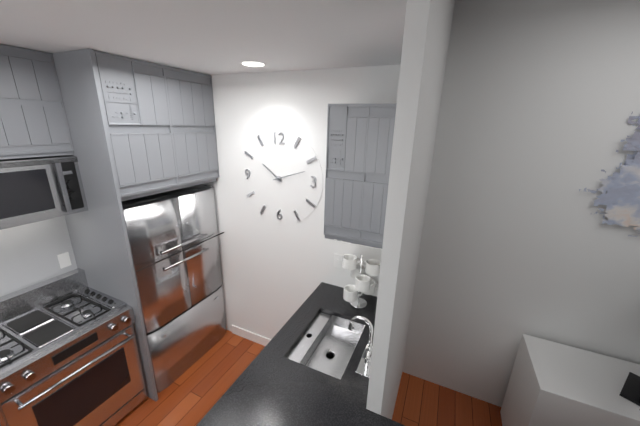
10:12
